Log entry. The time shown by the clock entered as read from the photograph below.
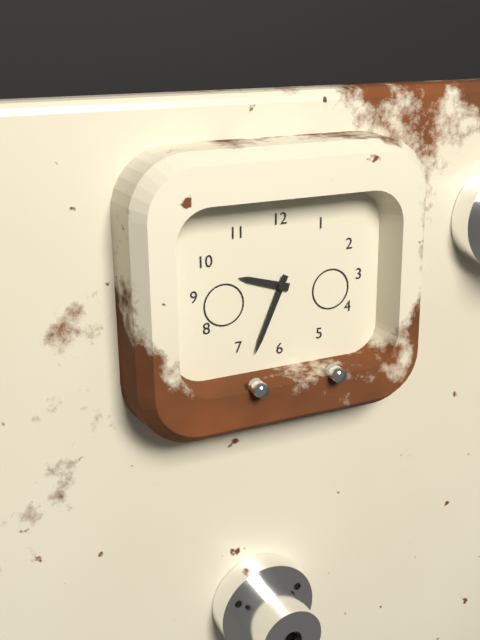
9:34
